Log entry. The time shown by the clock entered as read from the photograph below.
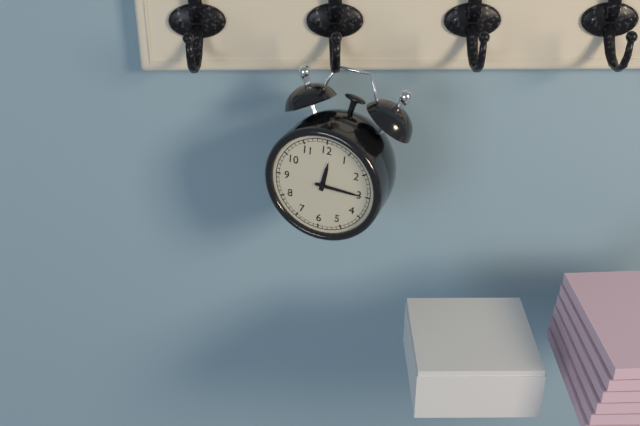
12:15
